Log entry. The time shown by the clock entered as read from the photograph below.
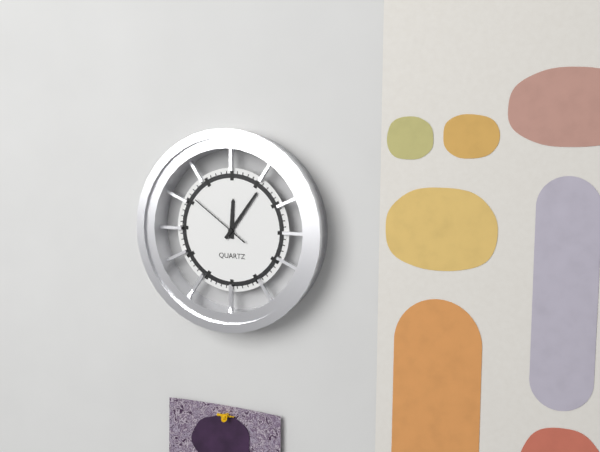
12:06:51
